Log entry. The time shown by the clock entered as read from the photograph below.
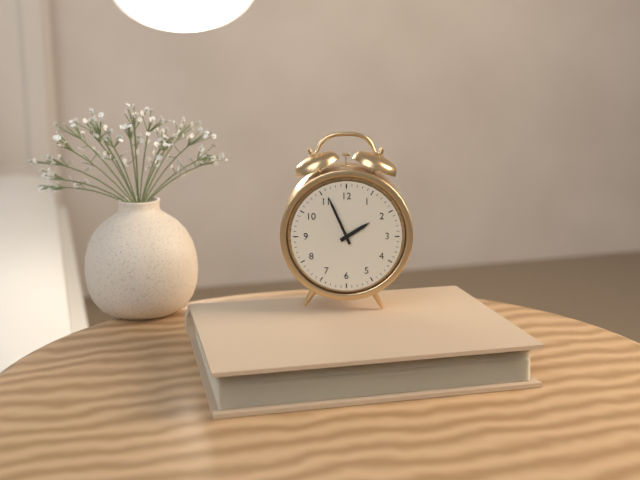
1:56
